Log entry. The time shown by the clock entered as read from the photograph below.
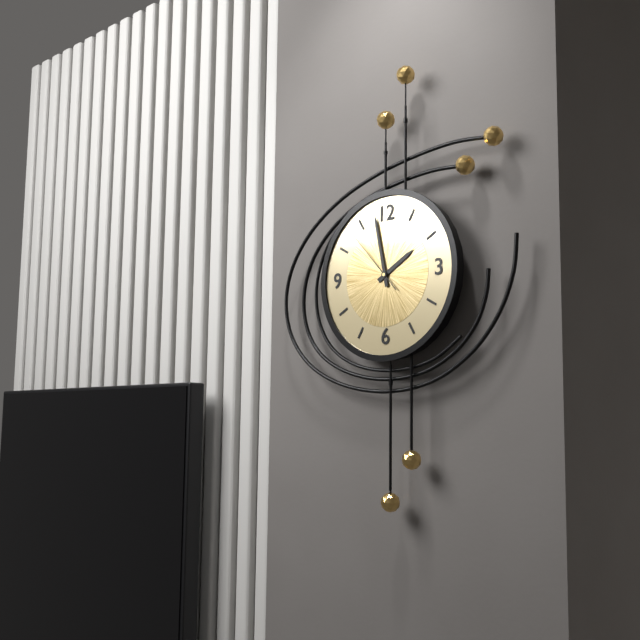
1:58:53
